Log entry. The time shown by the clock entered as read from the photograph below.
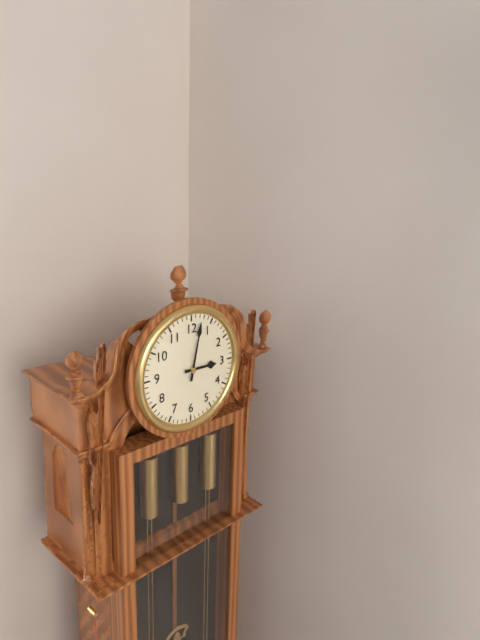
3:02
